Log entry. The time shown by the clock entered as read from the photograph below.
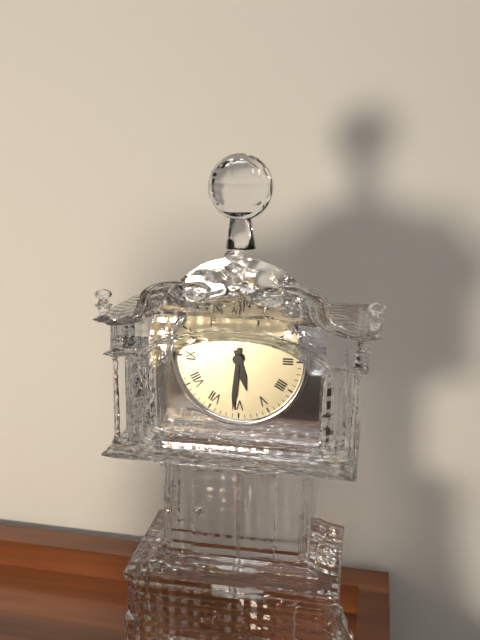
5:31
